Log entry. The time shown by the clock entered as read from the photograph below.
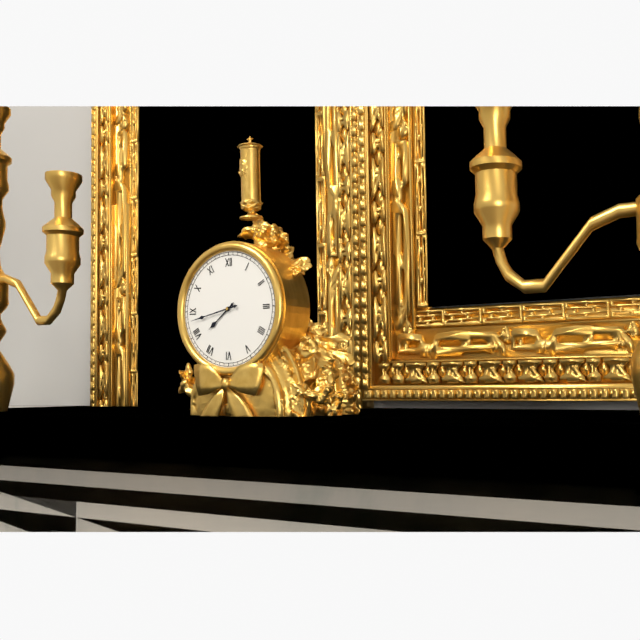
7:43
